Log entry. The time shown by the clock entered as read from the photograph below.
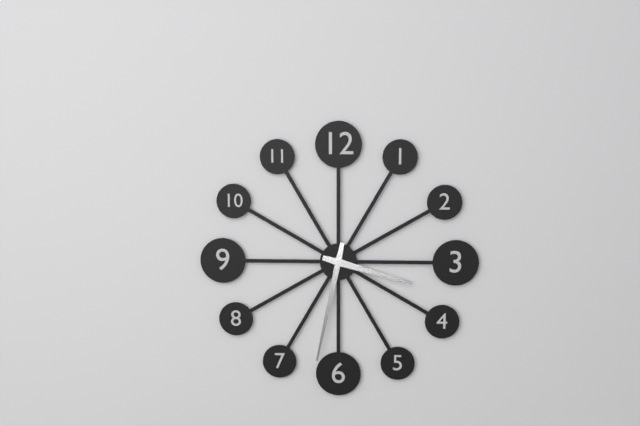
3:32
